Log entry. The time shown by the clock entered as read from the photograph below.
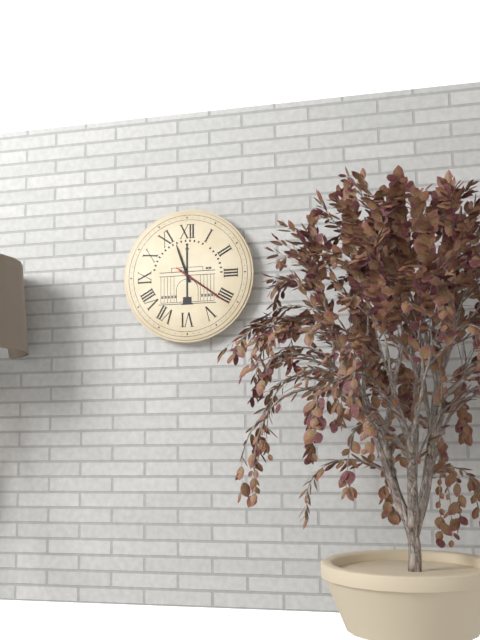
11:21:21
